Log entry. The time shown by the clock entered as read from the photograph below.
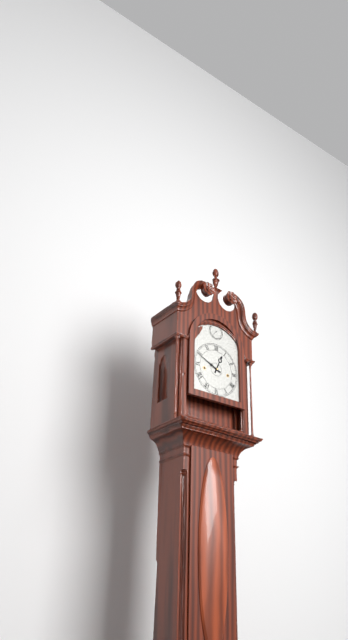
12:49
